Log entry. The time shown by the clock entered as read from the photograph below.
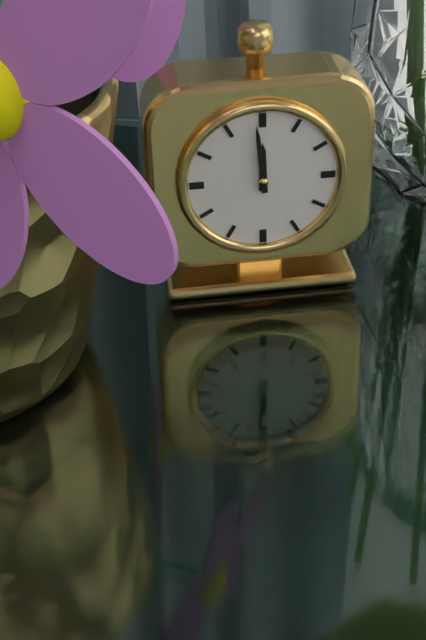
11:59
